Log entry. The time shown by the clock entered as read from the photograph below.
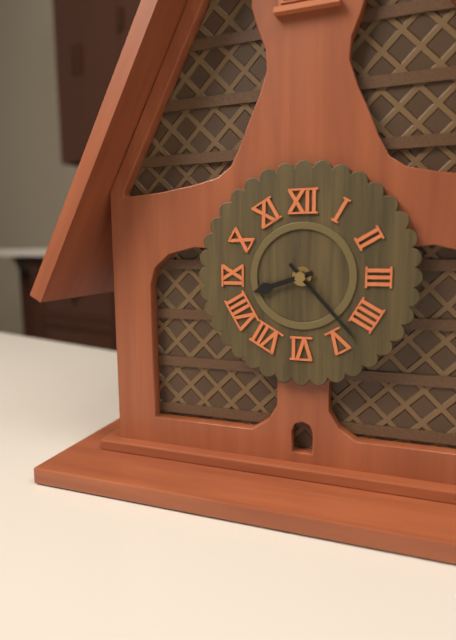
8:23
